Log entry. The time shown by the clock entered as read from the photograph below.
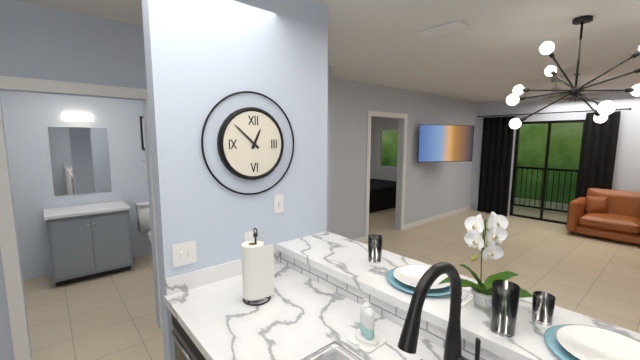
12:52
